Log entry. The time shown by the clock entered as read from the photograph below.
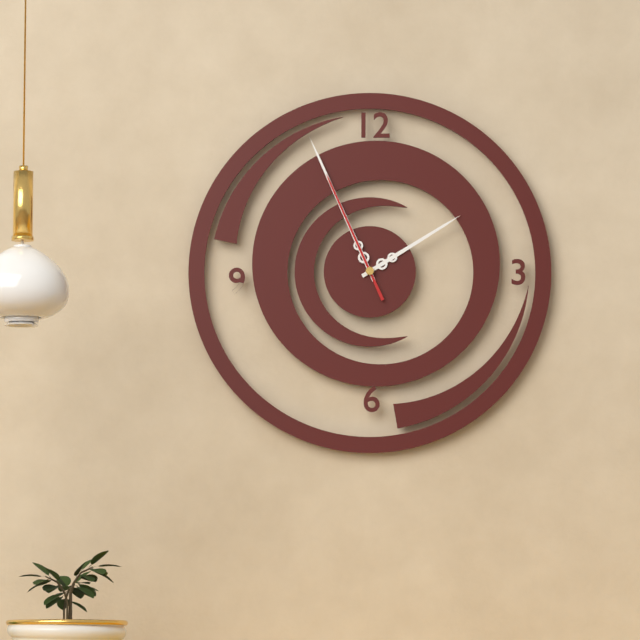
1:56:56
